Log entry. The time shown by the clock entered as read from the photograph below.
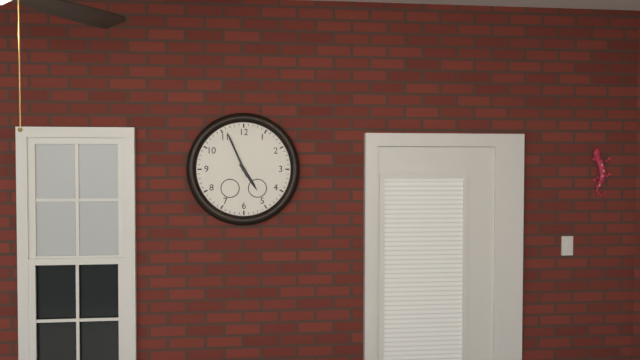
4:56
